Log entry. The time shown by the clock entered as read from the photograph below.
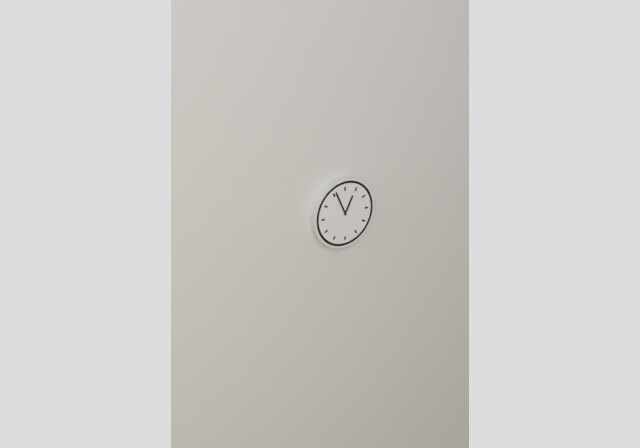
12:56
